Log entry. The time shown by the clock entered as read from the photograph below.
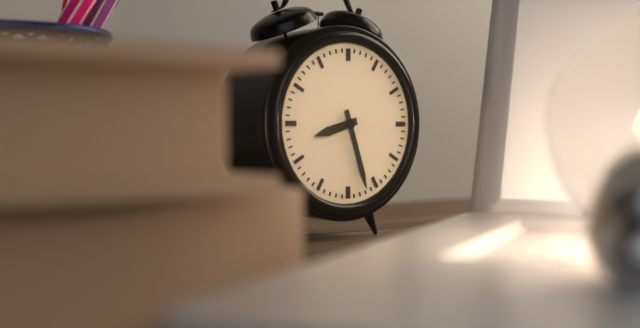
8:27
